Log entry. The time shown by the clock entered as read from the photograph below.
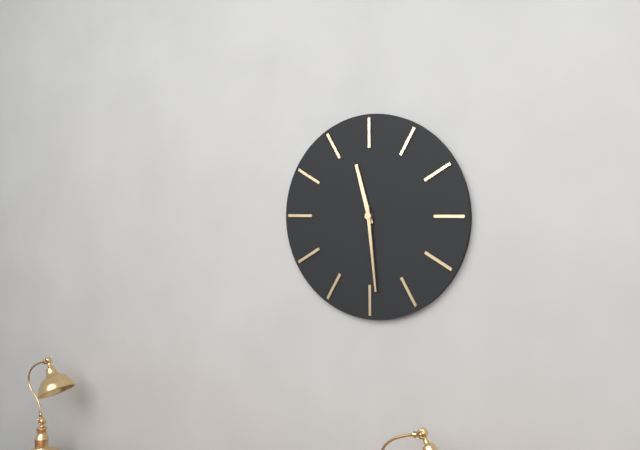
11:29
